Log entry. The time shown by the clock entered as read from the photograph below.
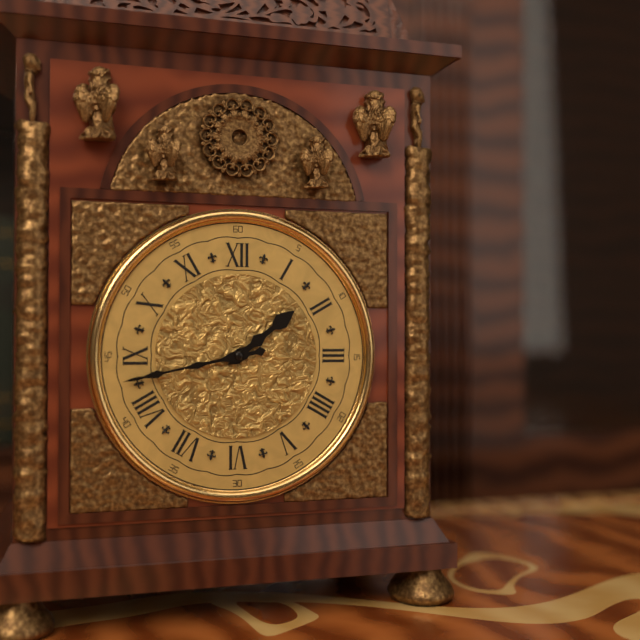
1:43
